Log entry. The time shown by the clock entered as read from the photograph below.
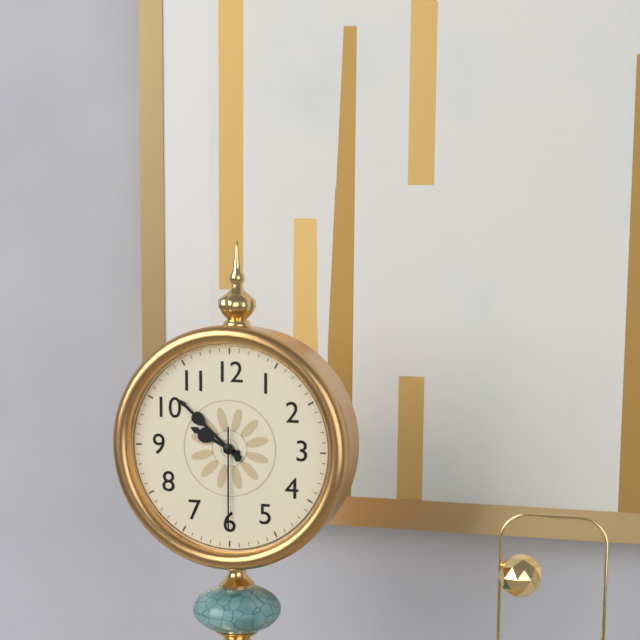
9:52:30
